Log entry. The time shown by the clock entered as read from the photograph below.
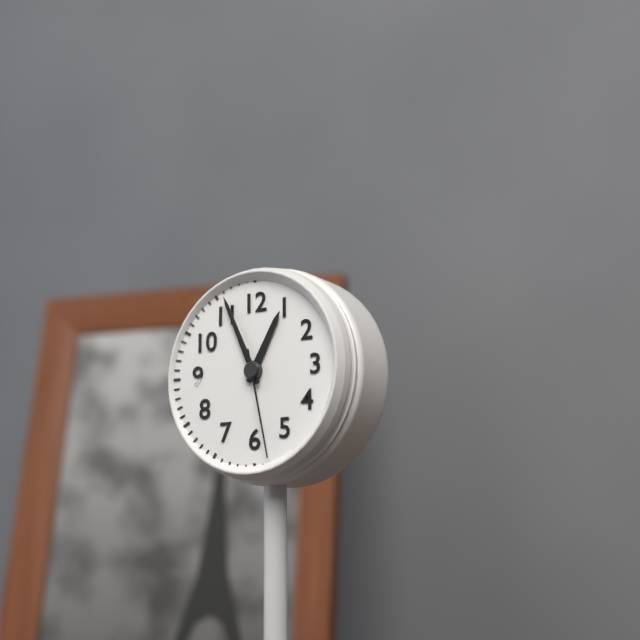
12:56:28
